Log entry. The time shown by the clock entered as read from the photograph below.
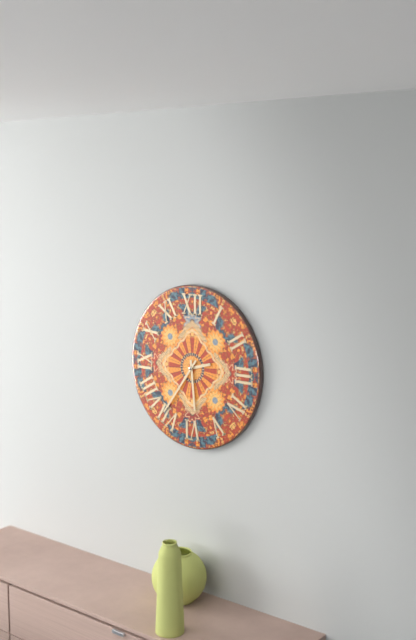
2:29:36
